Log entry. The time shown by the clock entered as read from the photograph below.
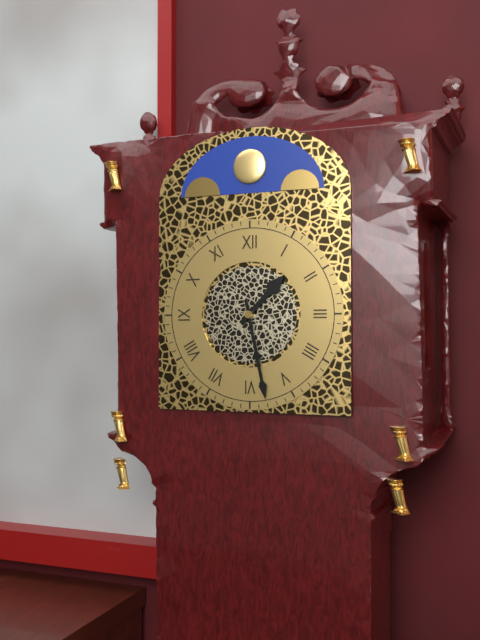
1:28
